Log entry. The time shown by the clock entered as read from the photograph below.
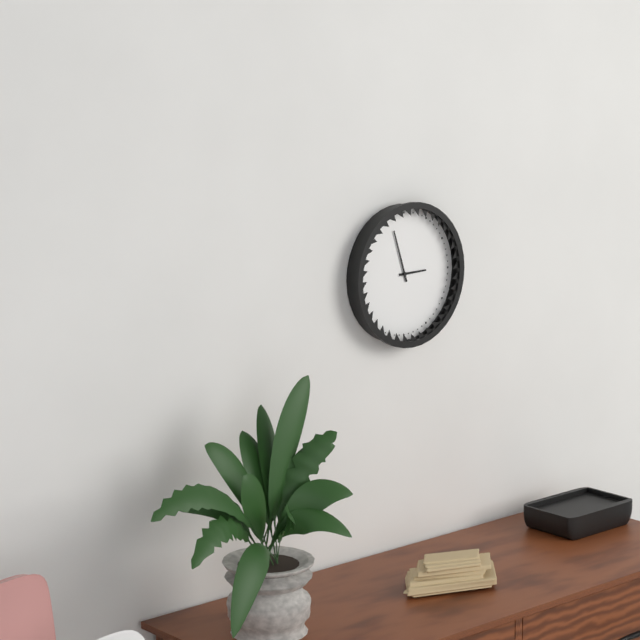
2:57
